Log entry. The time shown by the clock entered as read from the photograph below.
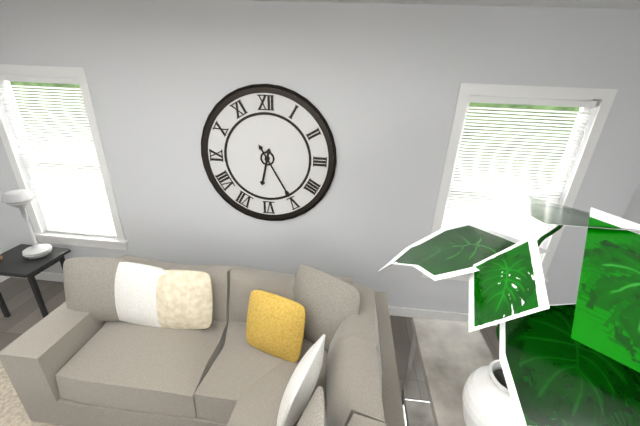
6:25
